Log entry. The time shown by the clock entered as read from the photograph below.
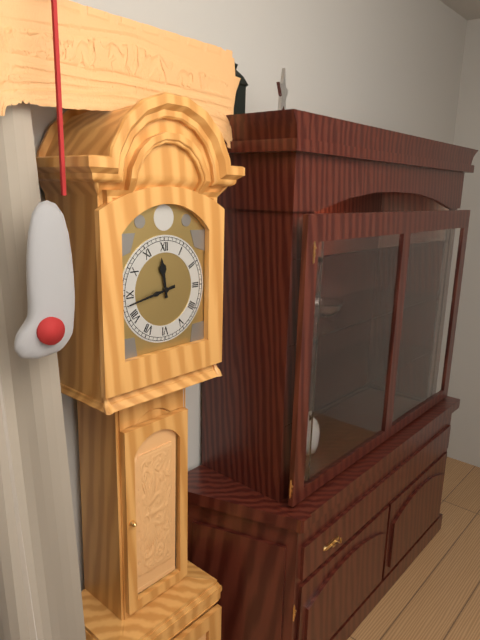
11:43
